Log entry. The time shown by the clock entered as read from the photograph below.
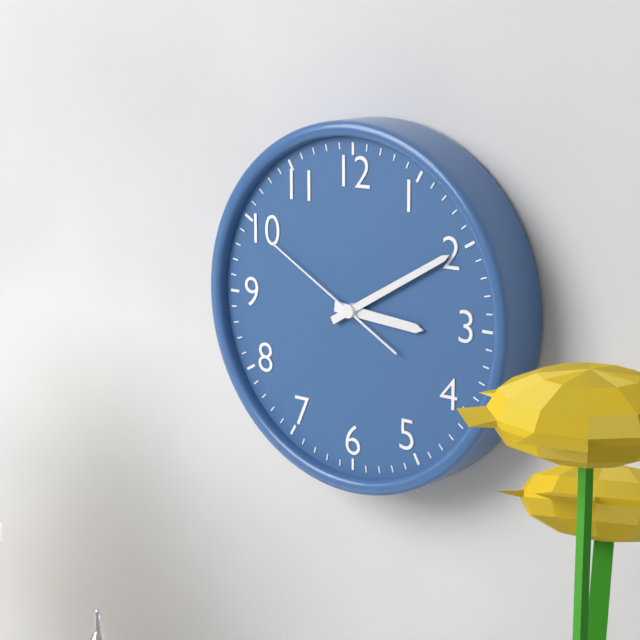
3:10:50
